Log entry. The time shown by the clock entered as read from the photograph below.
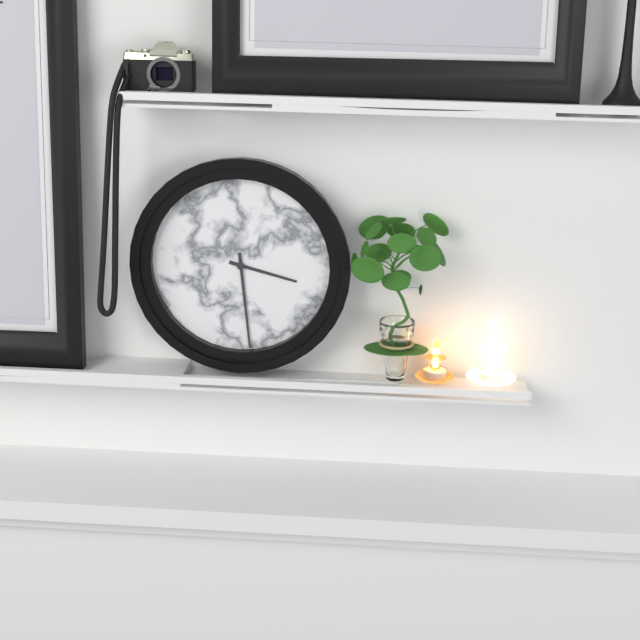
3:29
